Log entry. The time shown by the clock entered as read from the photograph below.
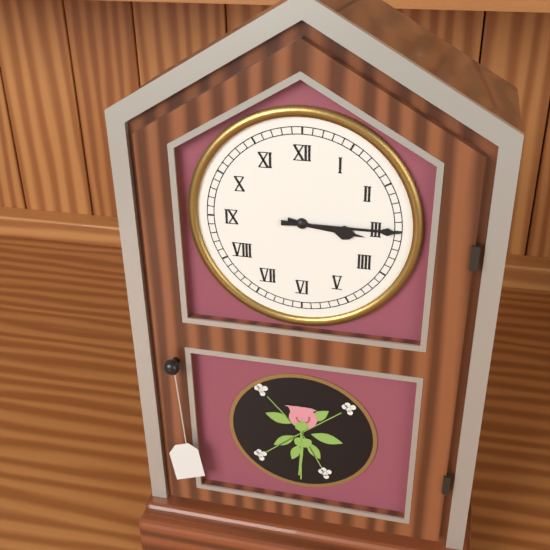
3:15
